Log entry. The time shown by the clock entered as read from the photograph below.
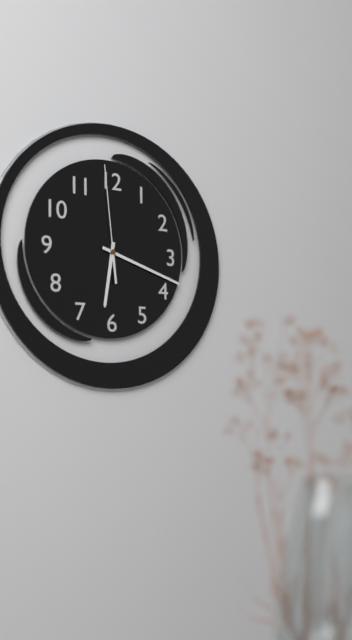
6:18:59
